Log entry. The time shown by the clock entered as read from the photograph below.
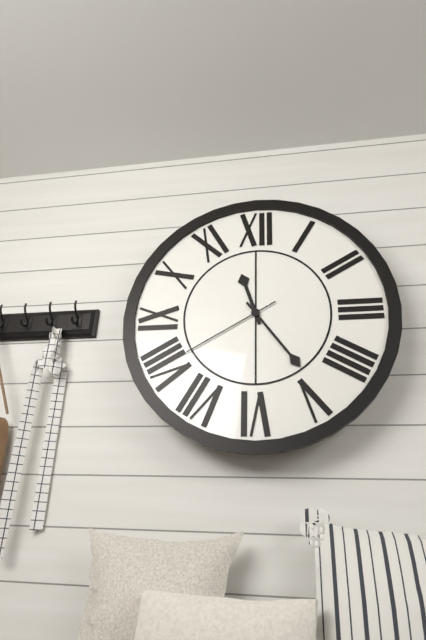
11:24:40
